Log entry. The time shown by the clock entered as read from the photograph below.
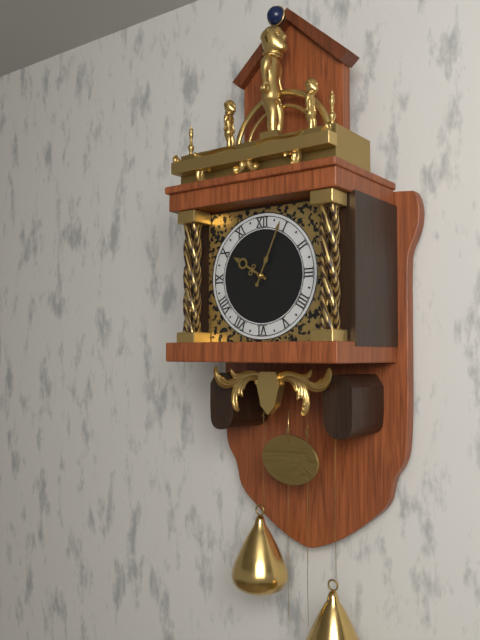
10:04
